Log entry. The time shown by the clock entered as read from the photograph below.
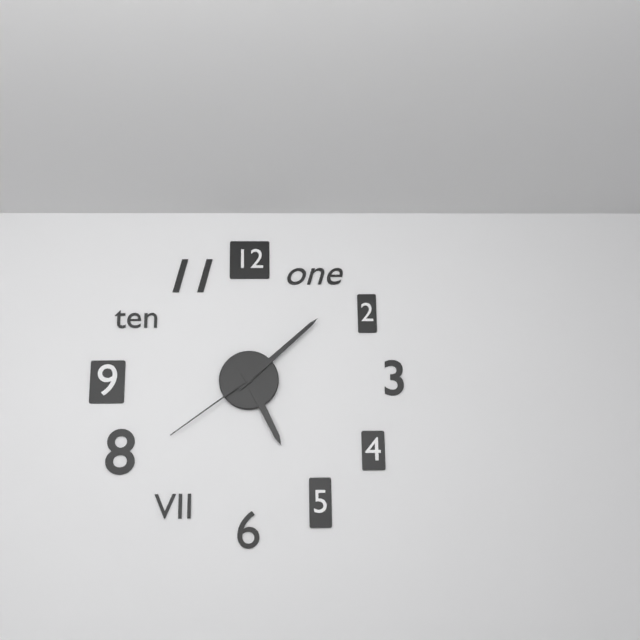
5:08:39
